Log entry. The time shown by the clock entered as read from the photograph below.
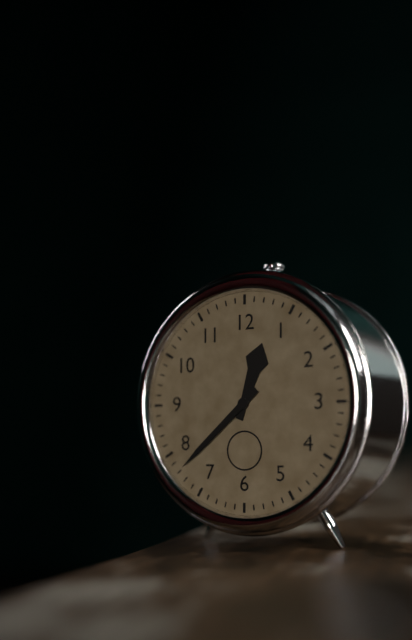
12:38
